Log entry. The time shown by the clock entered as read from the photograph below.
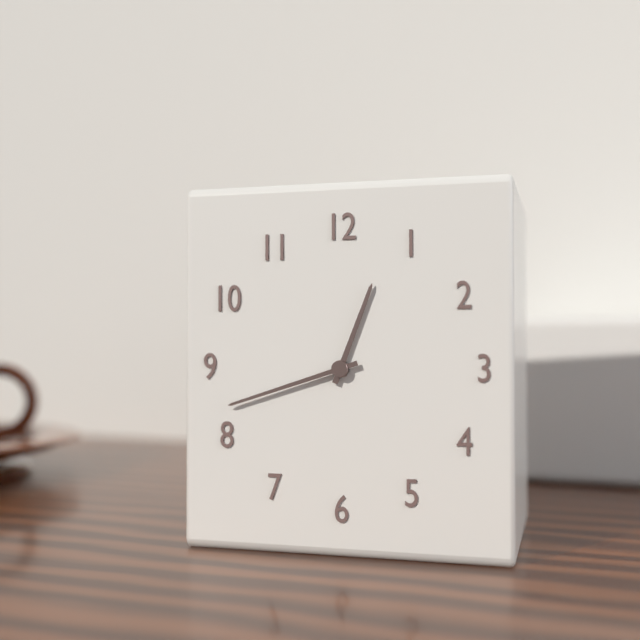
12:42
